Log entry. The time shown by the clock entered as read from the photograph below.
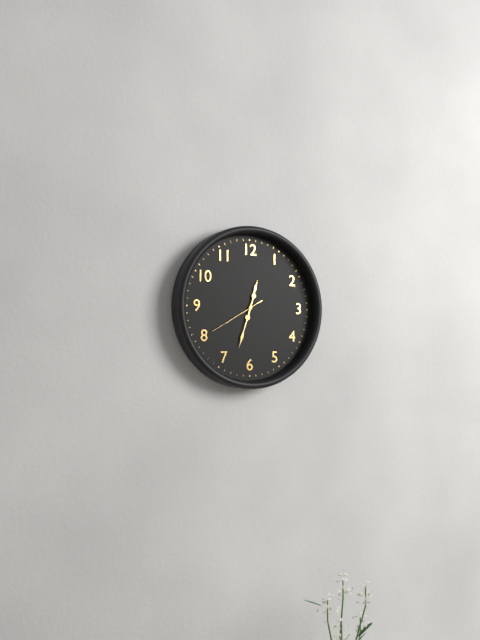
12:33:40
